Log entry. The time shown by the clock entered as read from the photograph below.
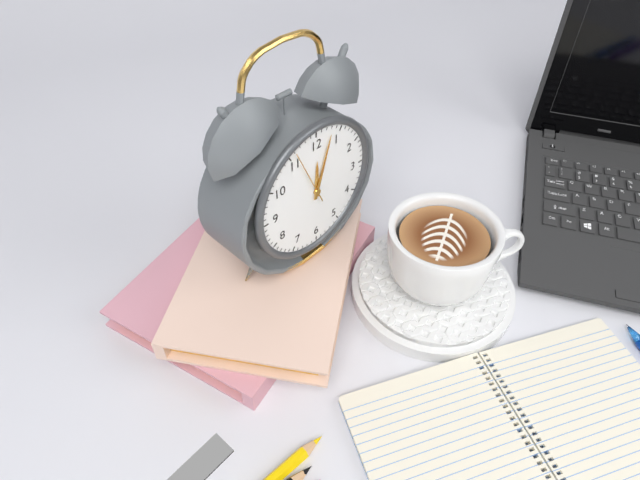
12:03:56
